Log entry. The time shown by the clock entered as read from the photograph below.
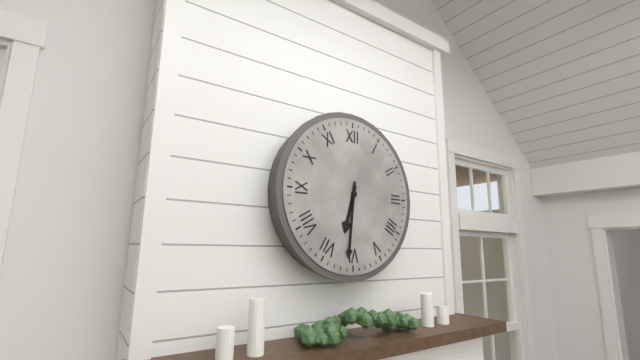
6:31
